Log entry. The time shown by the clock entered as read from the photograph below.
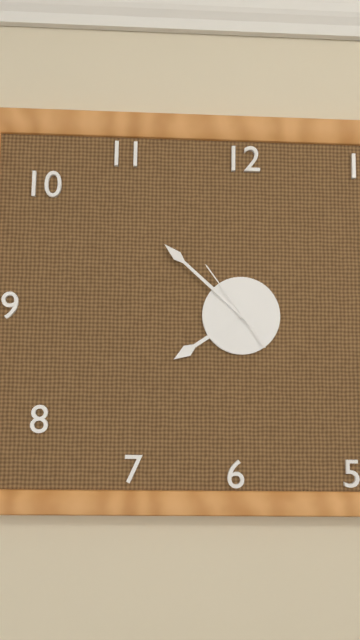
7:52:54
